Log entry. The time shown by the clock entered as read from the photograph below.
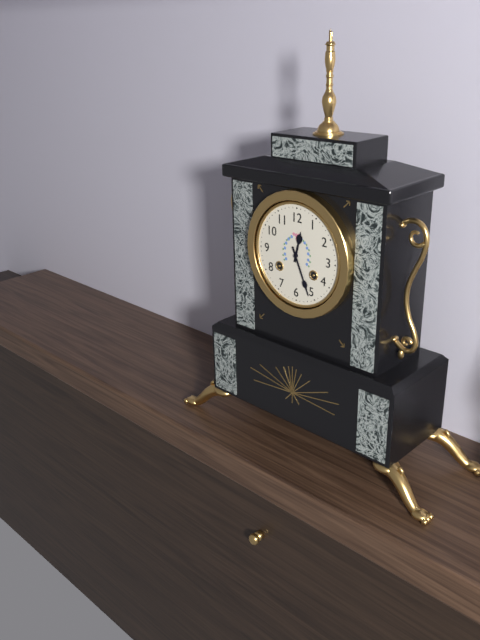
12:26
